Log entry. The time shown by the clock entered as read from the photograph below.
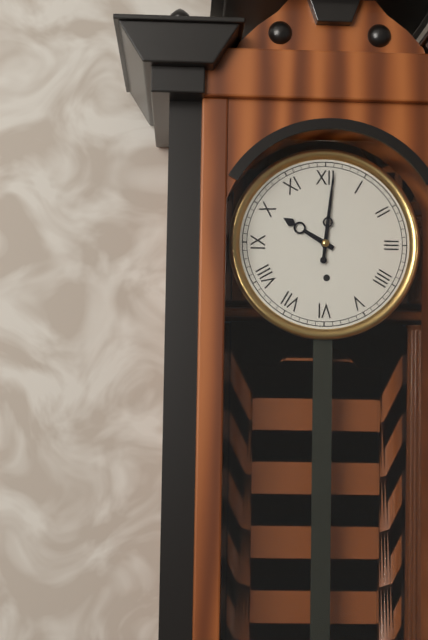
10:01
